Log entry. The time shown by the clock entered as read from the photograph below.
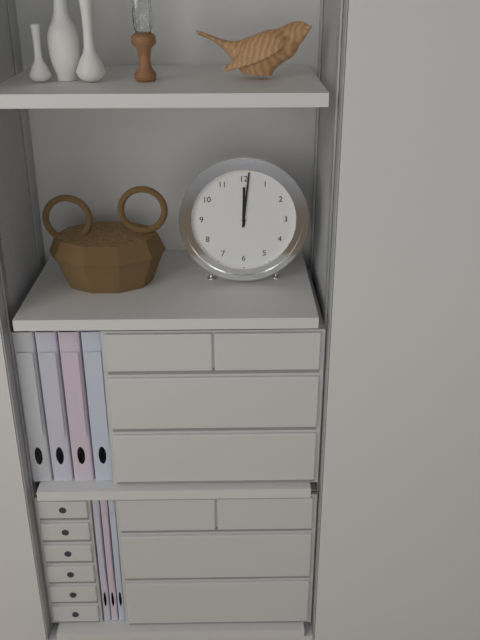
12:01
